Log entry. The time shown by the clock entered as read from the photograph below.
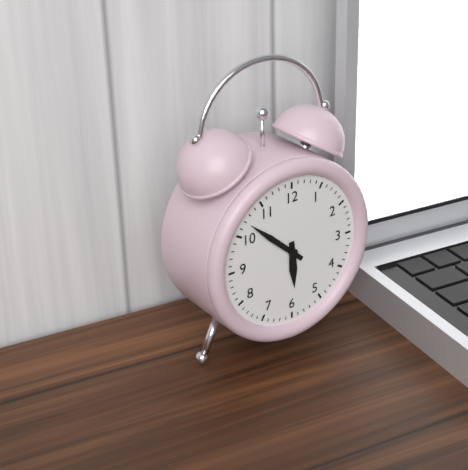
5:52
